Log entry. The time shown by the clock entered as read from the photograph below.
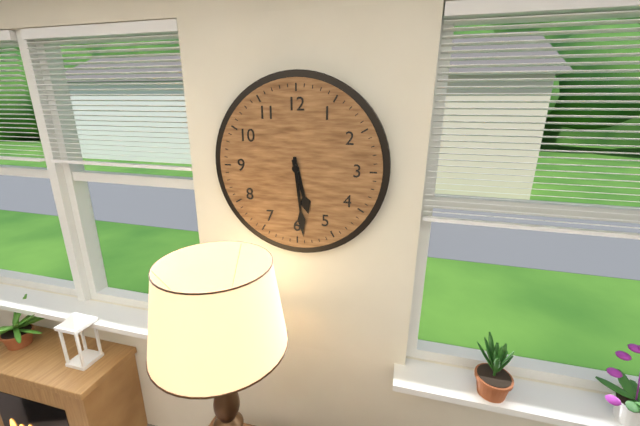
5:29
